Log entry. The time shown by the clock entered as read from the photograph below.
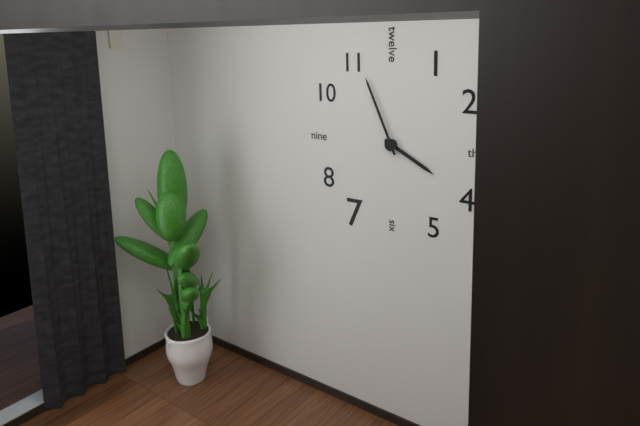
3:56
